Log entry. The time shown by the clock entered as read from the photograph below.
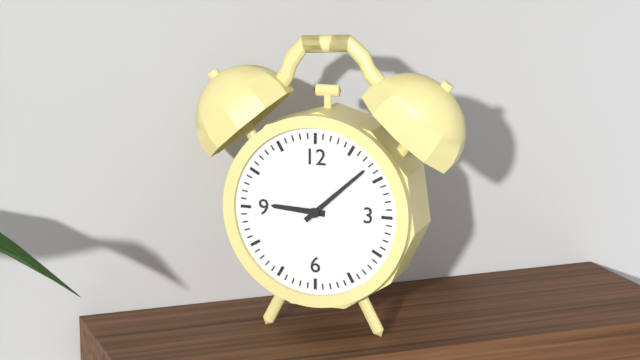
9:08
